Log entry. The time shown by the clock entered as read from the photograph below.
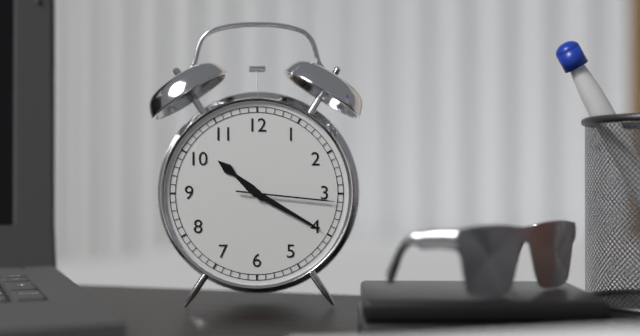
10:20:16
